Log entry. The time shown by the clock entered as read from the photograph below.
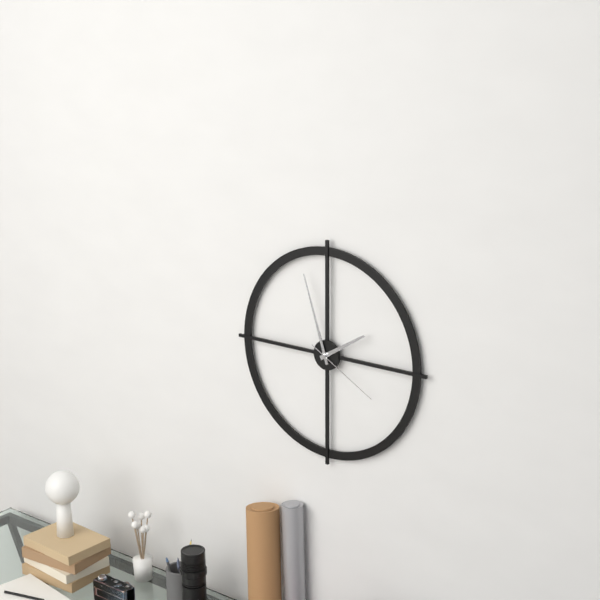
1:57:20
